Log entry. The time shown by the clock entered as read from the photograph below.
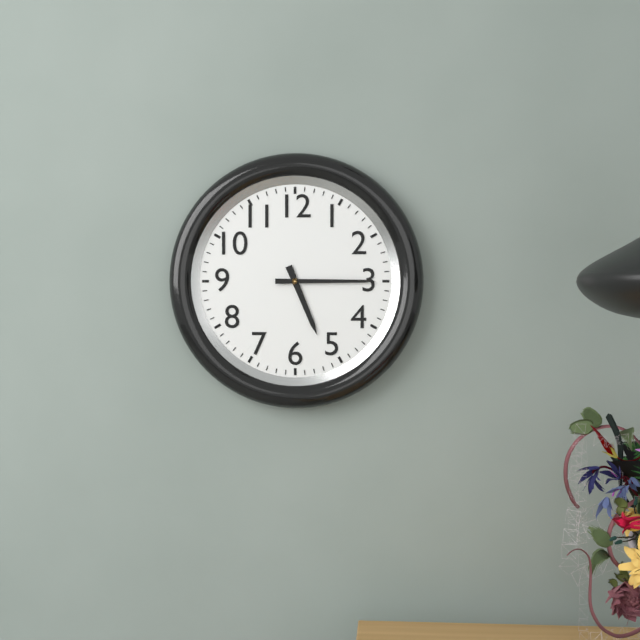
5:15
